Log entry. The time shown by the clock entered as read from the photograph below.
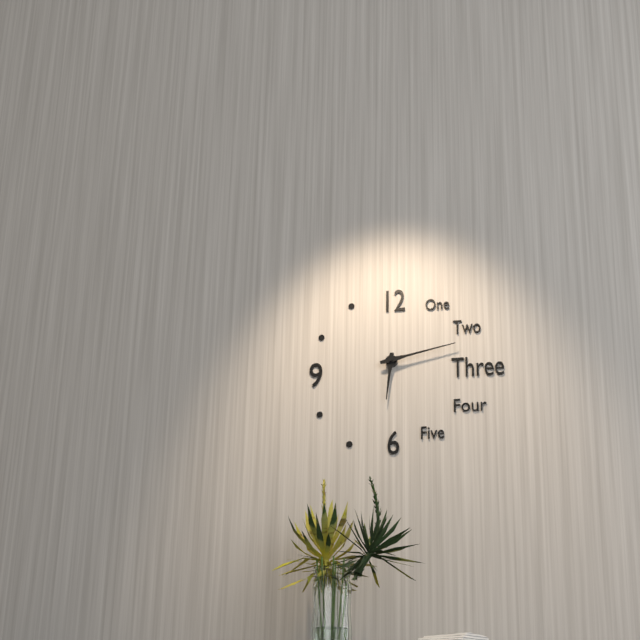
6:13
